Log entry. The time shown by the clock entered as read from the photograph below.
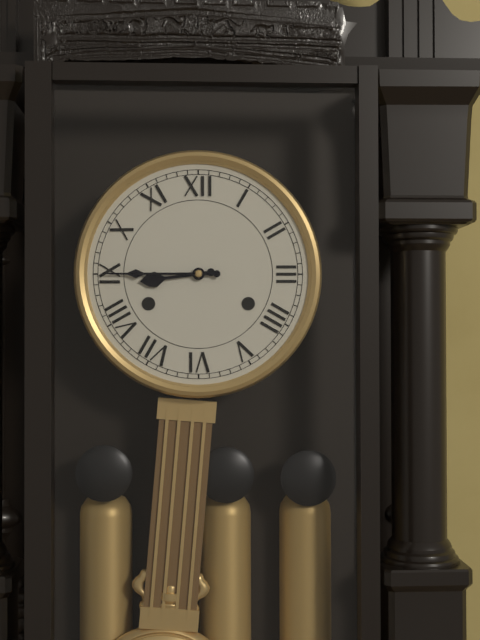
8:45
